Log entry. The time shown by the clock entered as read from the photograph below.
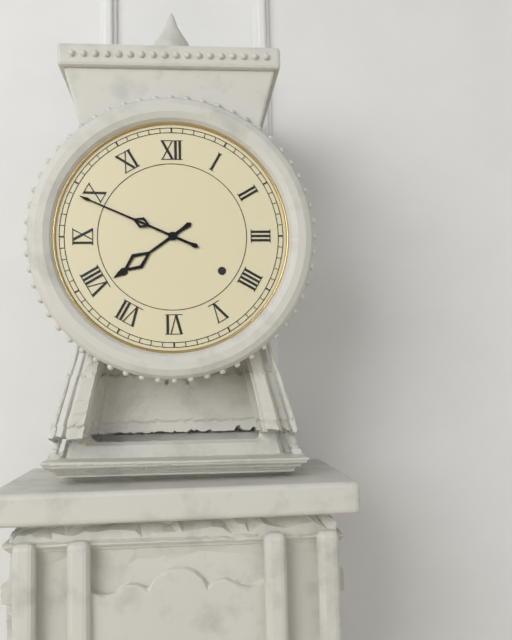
7:49
